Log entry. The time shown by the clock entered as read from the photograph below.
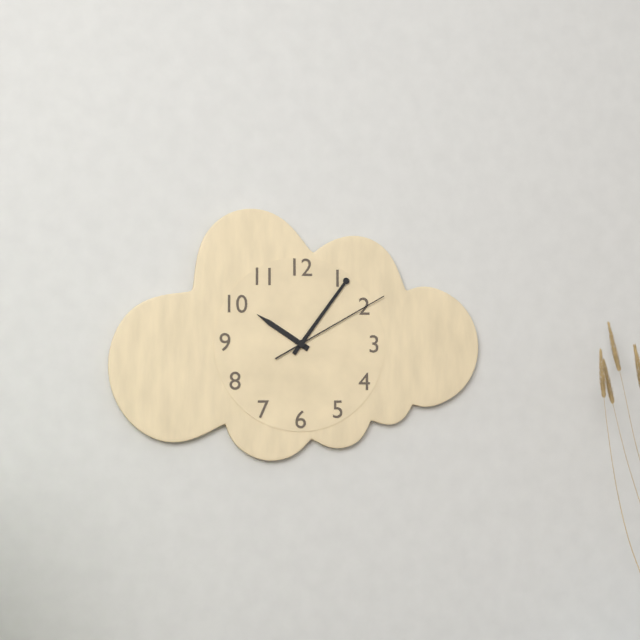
10:06:10
